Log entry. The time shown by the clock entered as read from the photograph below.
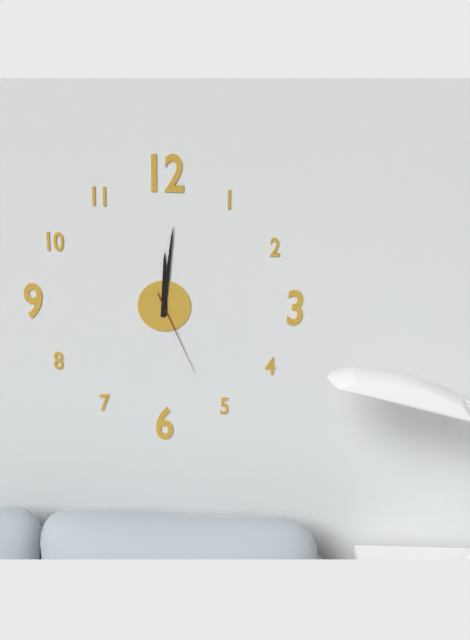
12:01:26
